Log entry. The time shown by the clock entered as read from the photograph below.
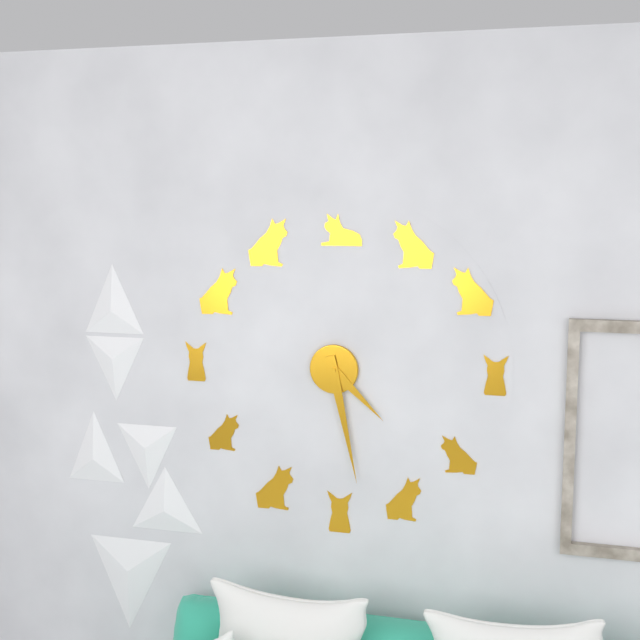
4:28
